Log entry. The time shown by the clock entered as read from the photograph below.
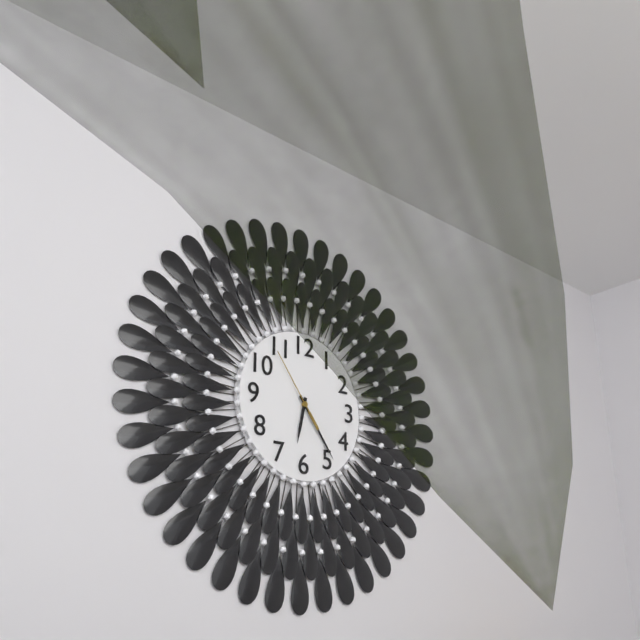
6:24:54
